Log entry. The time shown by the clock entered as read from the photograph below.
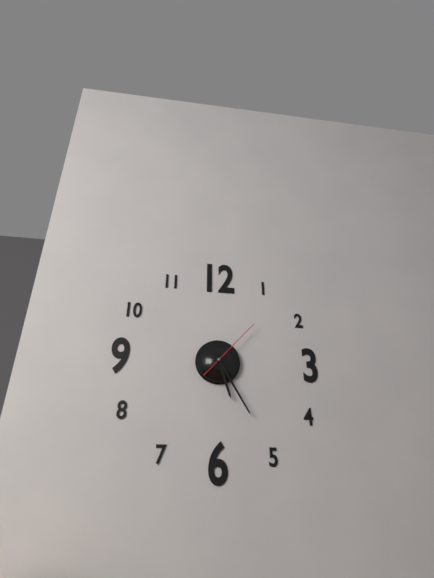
5:25:07
